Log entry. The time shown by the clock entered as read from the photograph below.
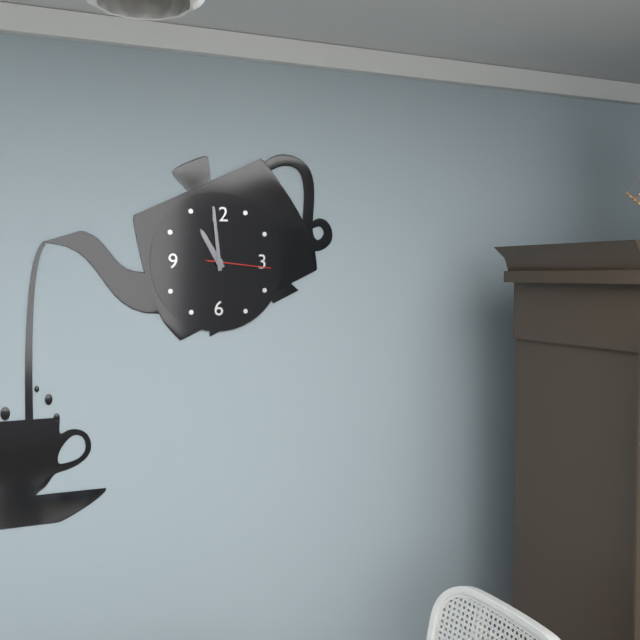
10:59:16
